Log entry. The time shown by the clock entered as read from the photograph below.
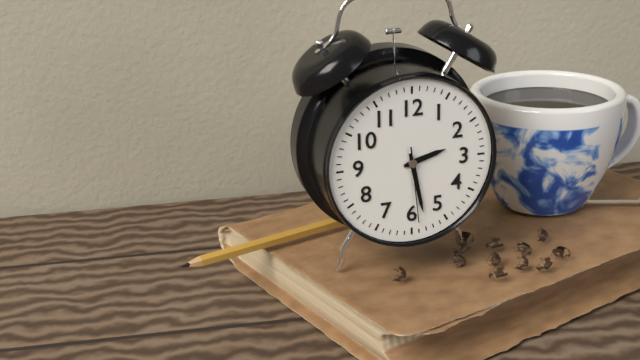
2:28:29
